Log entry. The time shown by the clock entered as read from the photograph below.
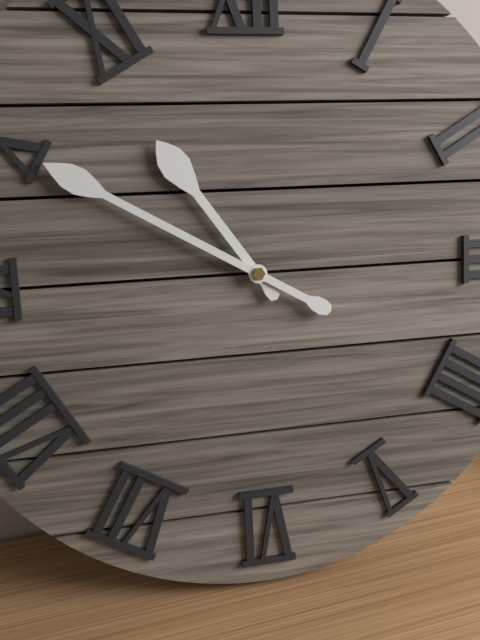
10:50
